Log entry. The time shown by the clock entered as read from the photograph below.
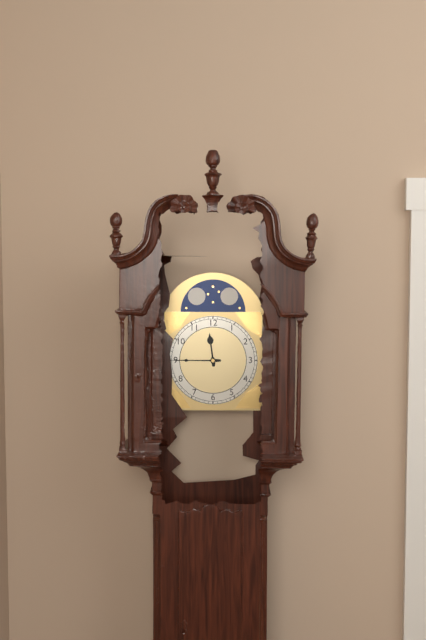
11:45
